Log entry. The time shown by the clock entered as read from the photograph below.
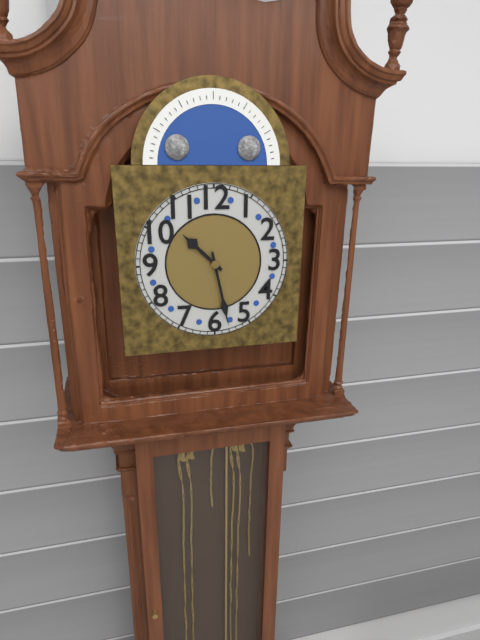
10:28
